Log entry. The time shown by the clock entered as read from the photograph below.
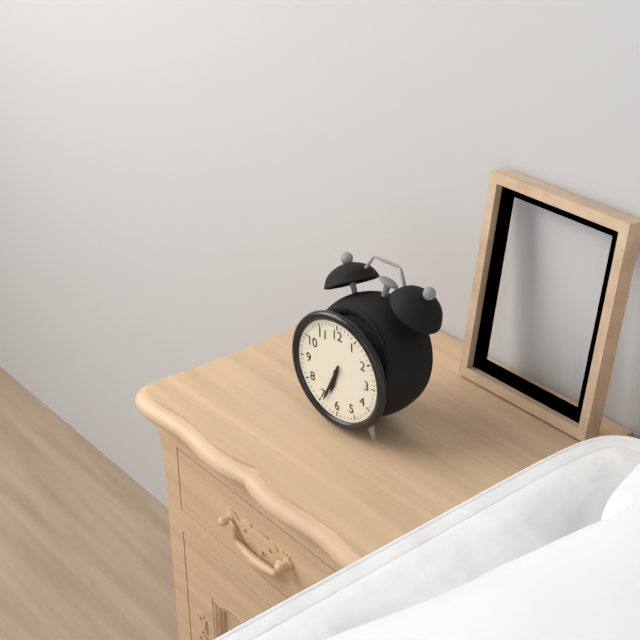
6:34
